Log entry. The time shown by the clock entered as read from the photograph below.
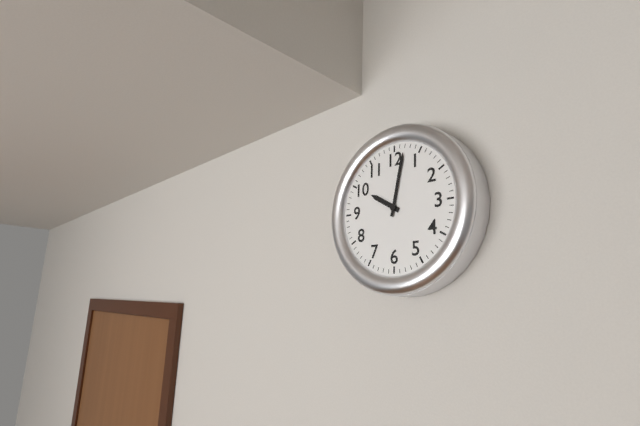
10:02
